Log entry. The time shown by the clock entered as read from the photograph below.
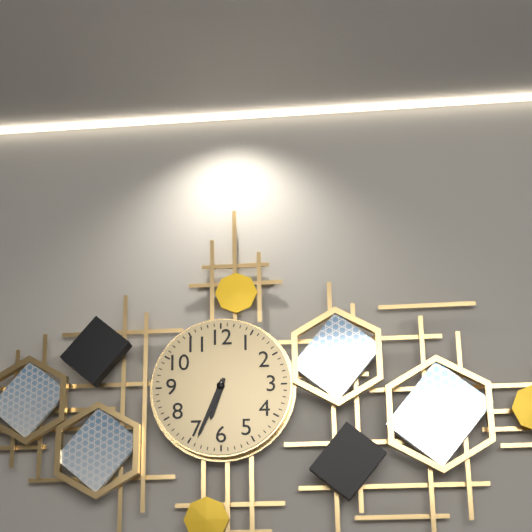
6:34
